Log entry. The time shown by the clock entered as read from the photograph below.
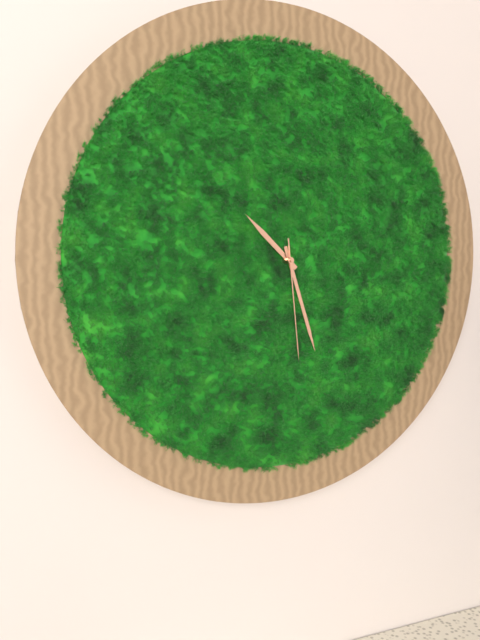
10:27:29
